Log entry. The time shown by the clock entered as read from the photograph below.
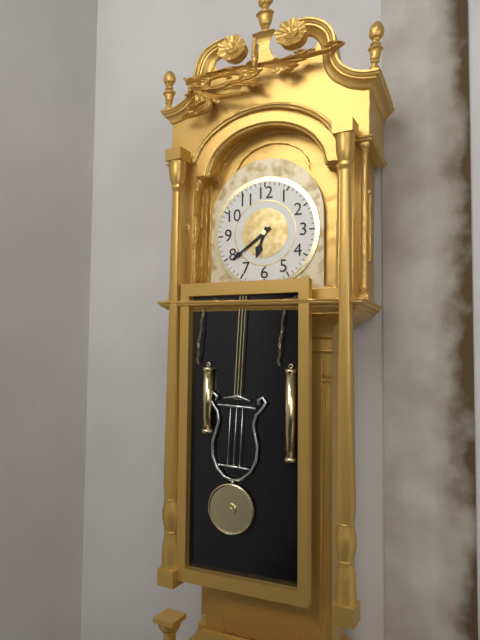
6:39
